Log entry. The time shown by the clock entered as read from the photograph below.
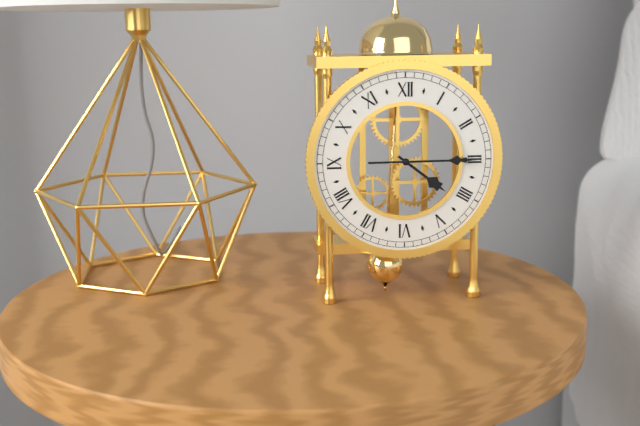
4:15
